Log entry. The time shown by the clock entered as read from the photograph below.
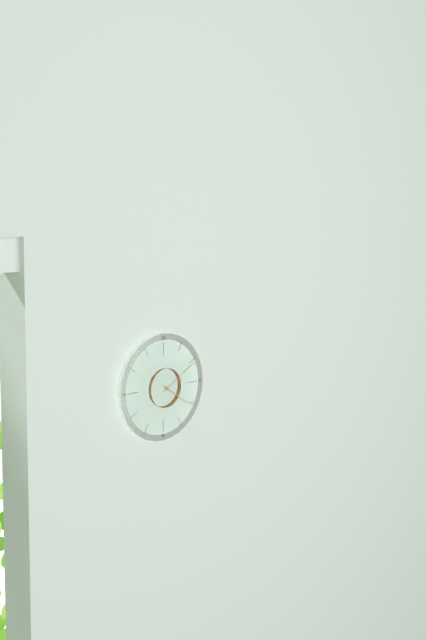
4:10
